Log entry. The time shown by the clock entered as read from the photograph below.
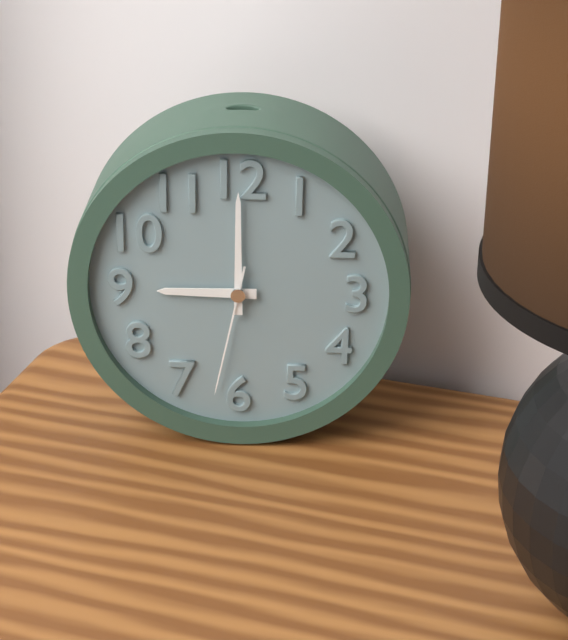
9:00:32
